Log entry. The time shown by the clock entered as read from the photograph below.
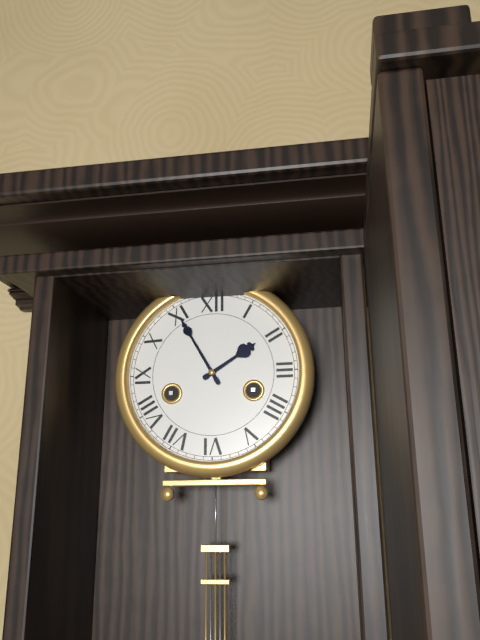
1:55
